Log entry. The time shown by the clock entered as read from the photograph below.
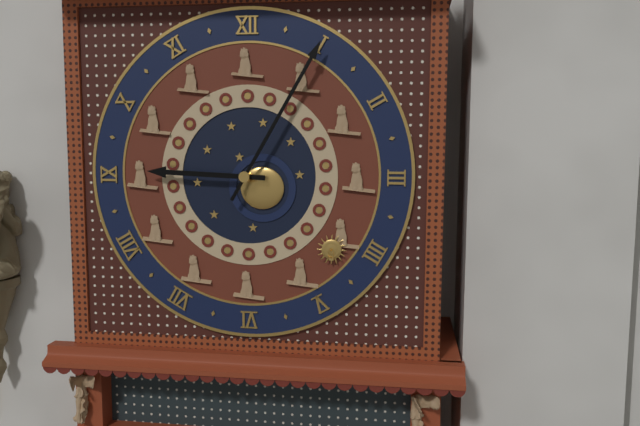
9:05
